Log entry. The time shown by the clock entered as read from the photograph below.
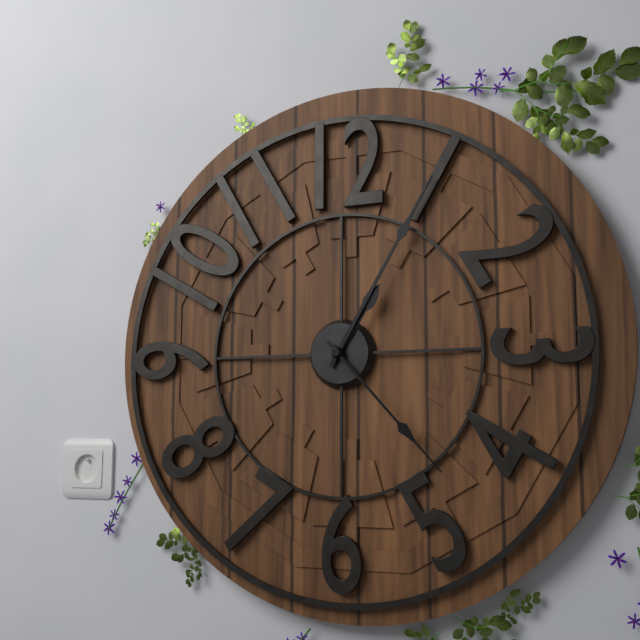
1:05:23
